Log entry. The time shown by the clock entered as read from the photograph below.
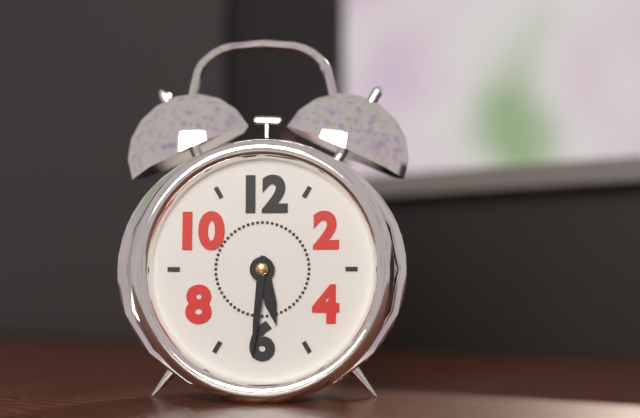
5:31
